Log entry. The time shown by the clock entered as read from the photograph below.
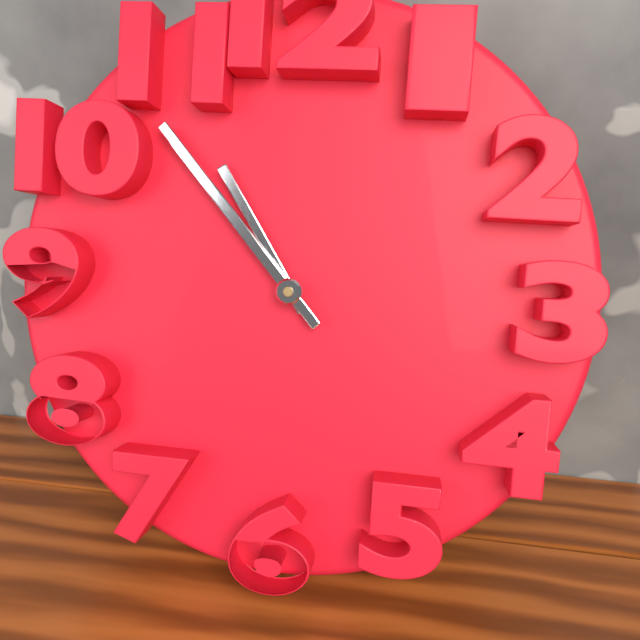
10:53
